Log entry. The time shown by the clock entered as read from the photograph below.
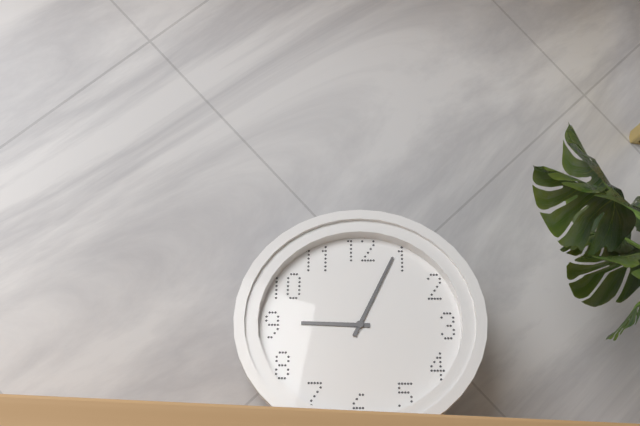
9:04
